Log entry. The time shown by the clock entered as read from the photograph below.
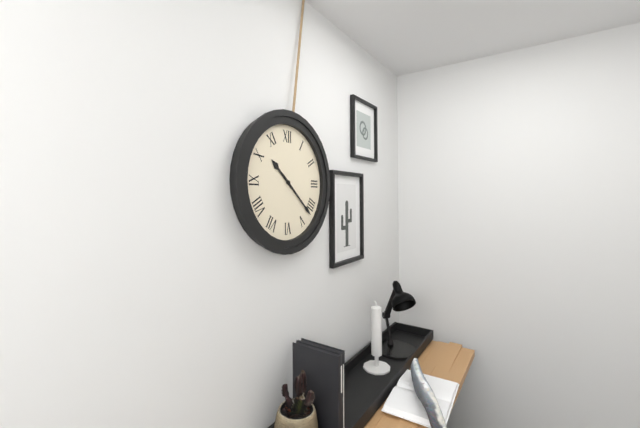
10:22
